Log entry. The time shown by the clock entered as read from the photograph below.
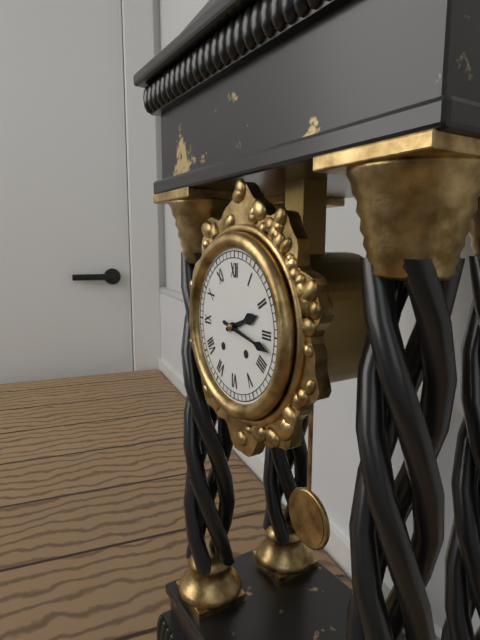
2:17
